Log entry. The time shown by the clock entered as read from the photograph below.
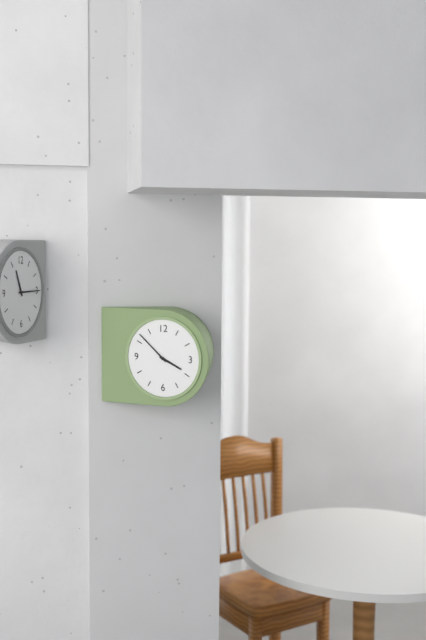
3:52
